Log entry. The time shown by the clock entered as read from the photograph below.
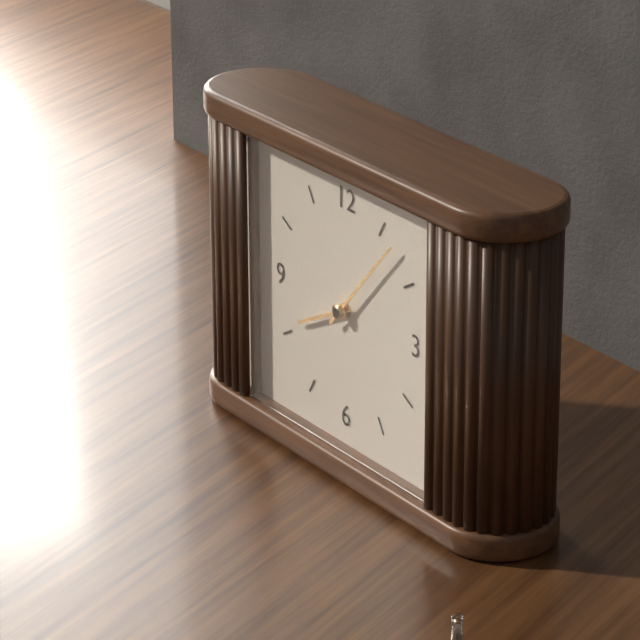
8:07
